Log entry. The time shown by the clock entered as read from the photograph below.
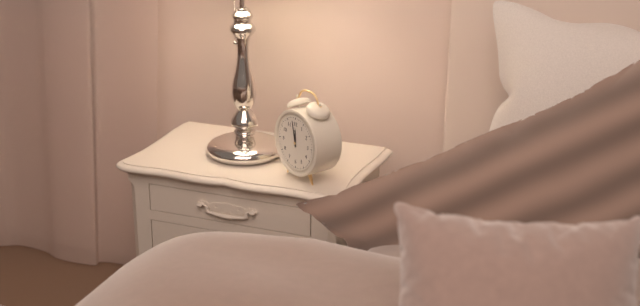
11:58
